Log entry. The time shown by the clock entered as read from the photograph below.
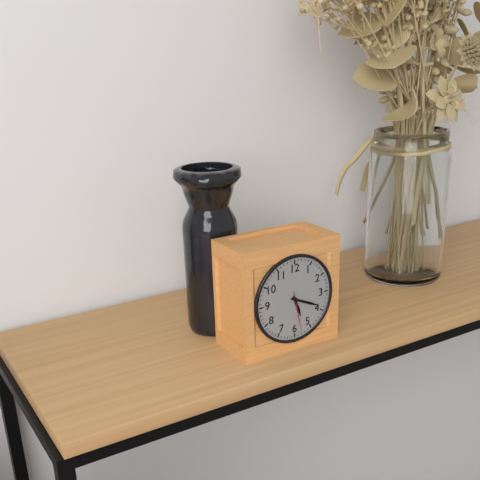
5:19
